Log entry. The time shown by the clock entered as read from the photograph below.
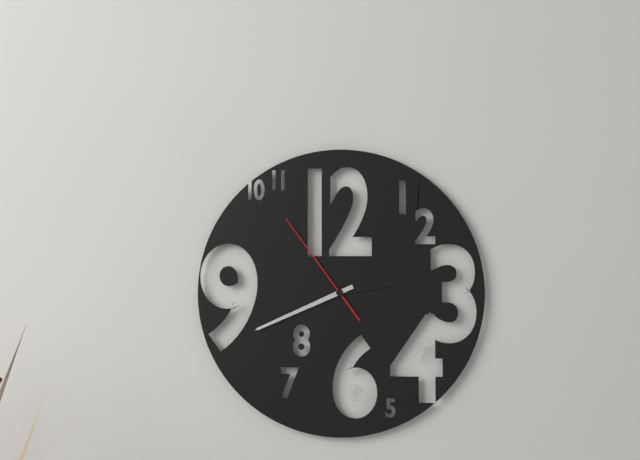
2:41:54
